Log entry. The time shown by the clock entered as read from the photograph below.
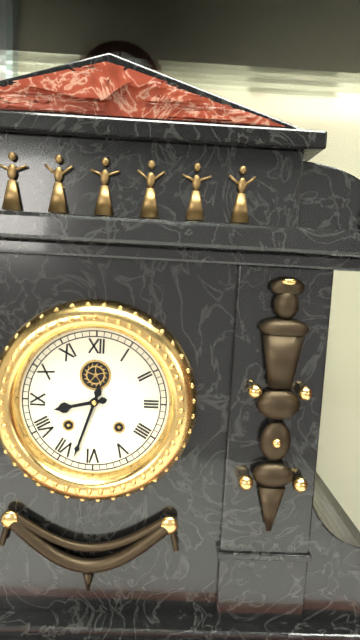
8:33
